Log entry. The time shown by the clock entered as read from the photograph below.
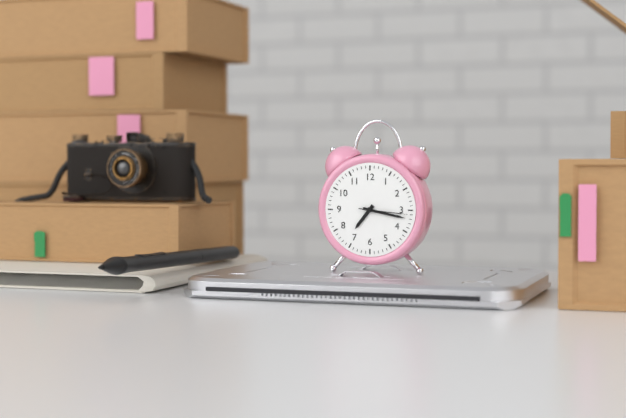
7:17
